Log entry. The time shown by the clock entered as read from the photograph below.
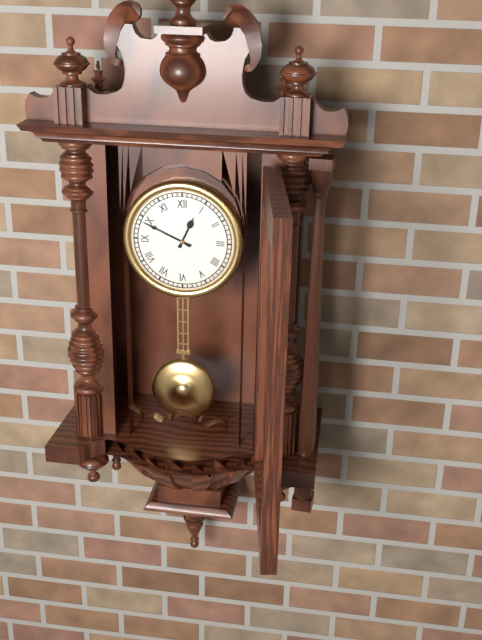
12:49
